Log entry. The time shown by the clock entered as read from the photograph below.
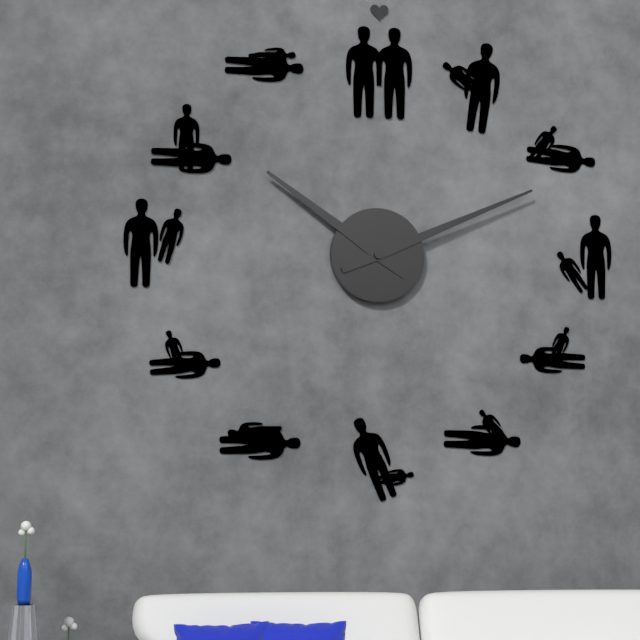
10:11
